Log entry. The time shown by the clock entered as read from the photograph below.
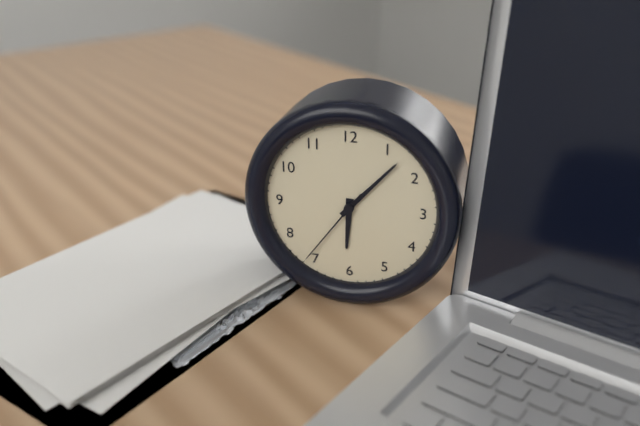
6:07:36
